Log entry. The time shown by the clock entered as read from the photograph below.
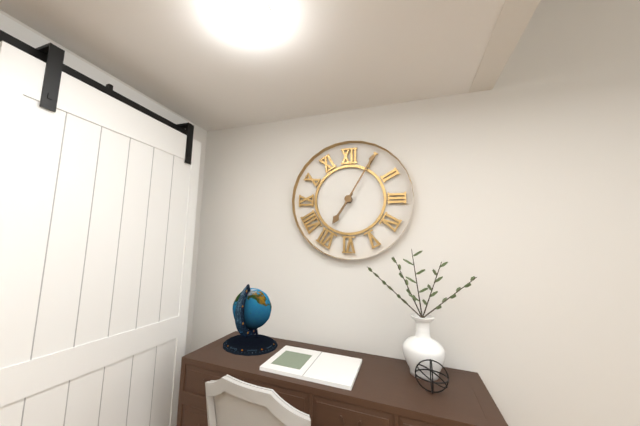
7:05
